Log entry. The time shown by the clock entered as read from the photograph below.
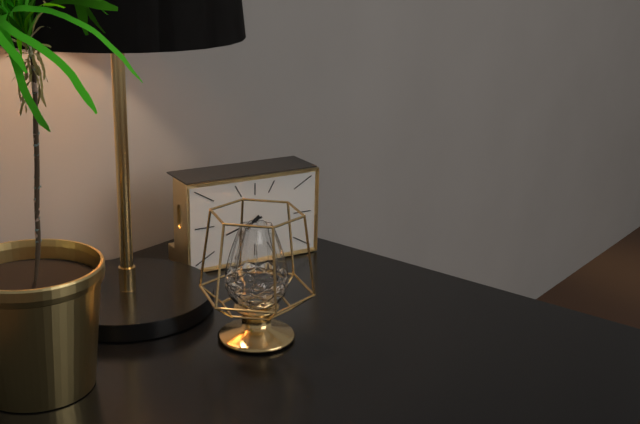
7:42
